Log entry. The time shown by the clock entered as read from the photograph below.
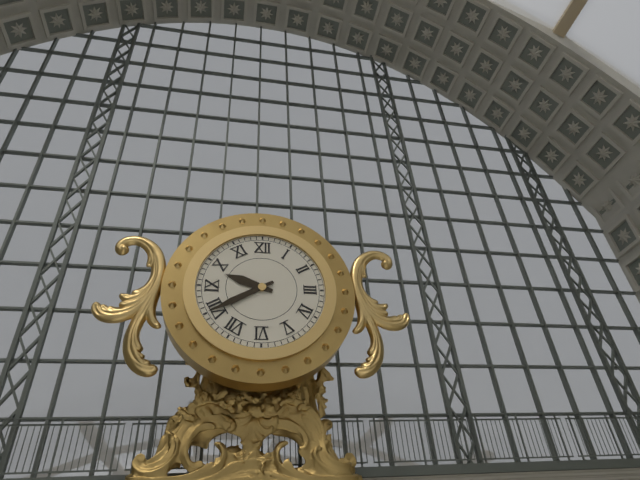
9:40
